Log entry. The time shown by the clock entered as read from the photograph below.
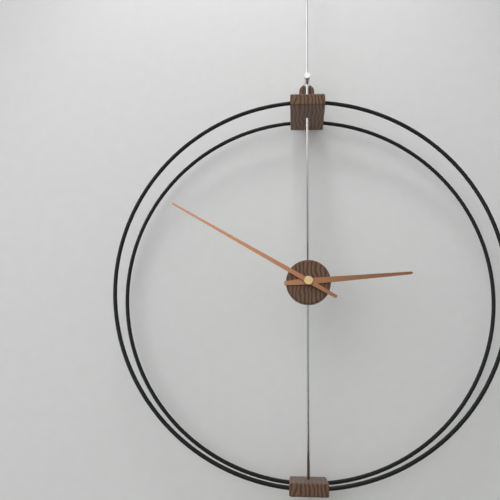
2:50
